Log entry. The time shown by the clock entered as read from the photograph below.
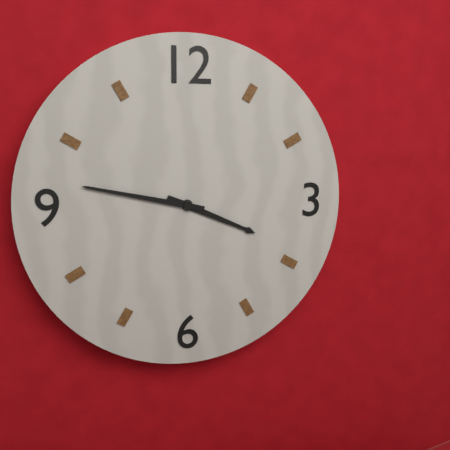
3:47
